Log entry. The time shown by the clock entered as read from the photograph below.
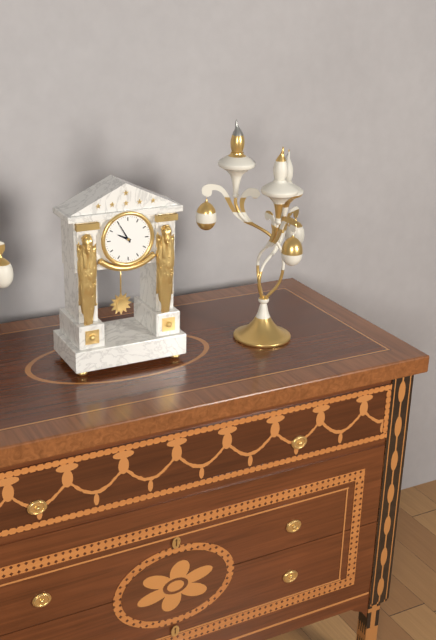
9:55
